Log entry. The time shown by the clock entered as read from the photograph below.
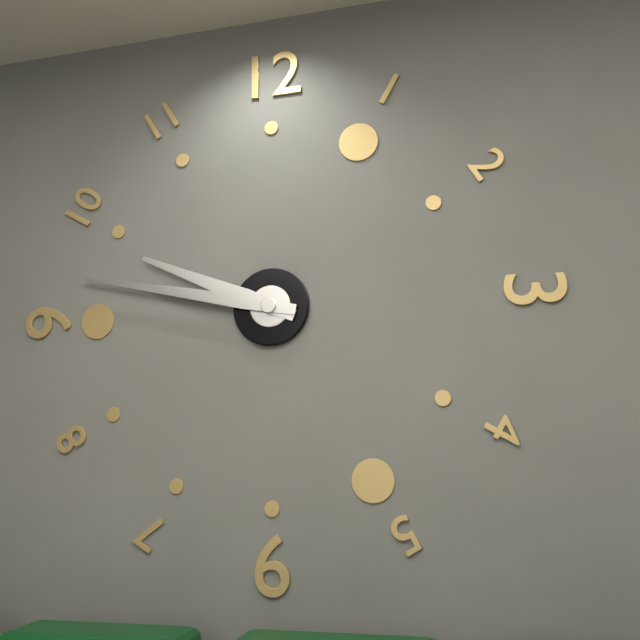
9:47
